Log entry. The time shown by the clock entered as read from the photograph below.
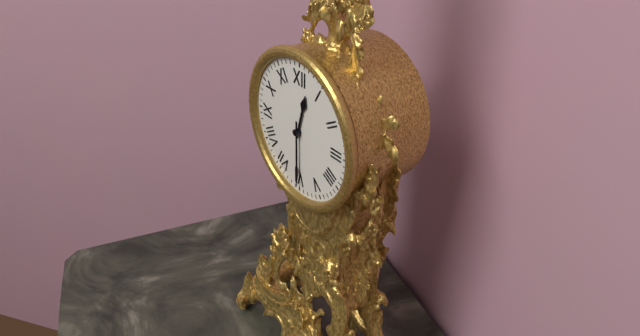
12:30
